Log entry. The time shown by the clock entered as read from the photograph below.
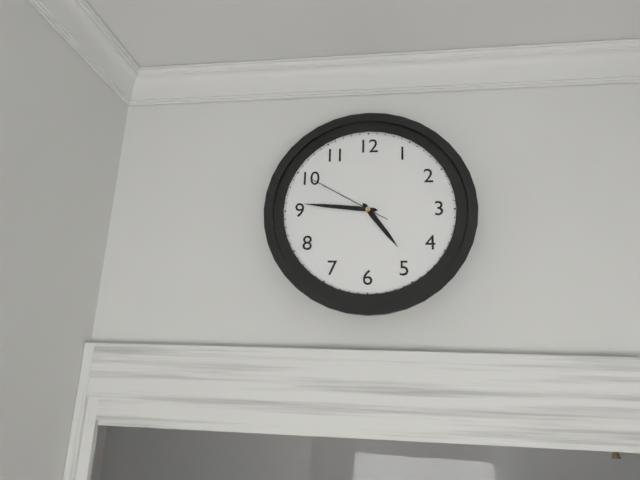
4:46:50
